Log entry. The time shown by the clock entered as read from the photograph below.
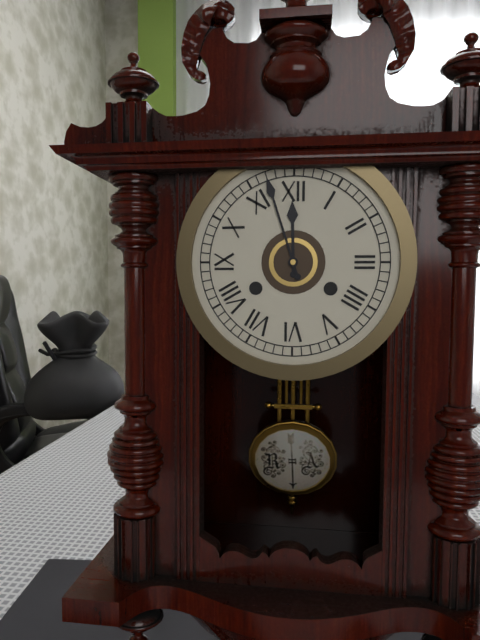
11:57
